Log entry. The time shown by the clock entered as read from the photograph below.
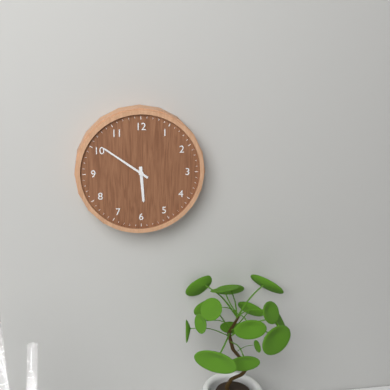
5:51
